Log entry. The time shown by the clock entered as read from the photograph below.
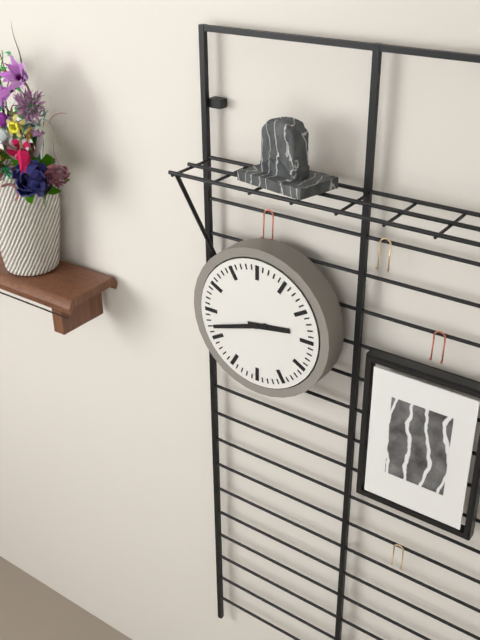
2:42
